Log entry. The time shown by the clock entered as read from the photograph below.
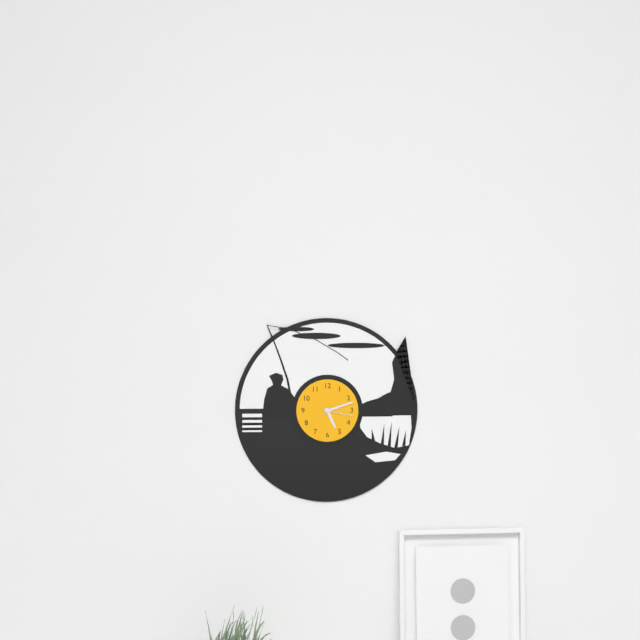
5:12
